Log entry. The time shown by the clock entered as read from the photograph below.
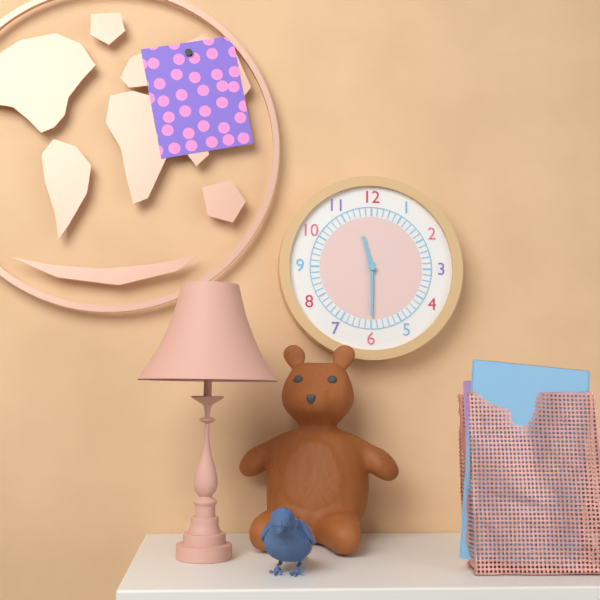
11:30
